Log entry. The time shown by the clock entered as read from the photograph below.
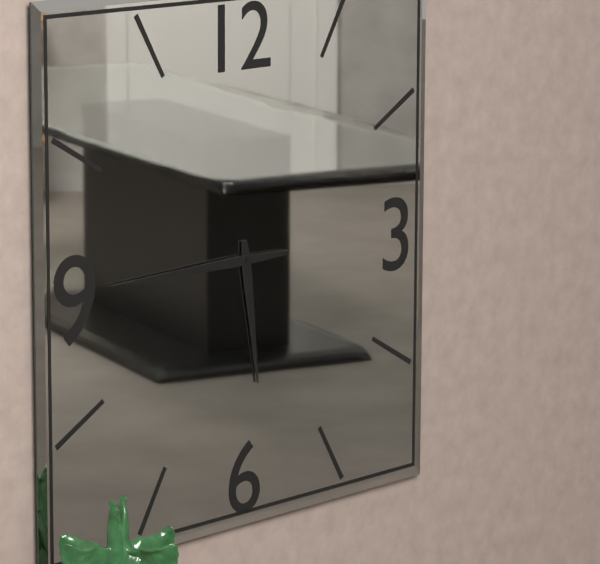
5:45
